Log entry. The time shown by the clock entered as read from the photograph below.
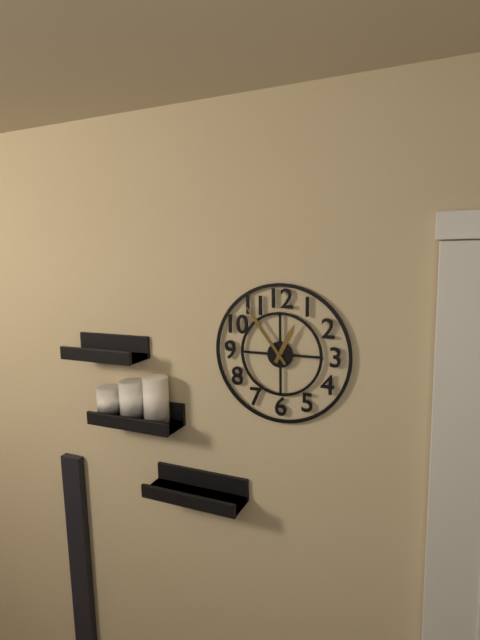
12:54
